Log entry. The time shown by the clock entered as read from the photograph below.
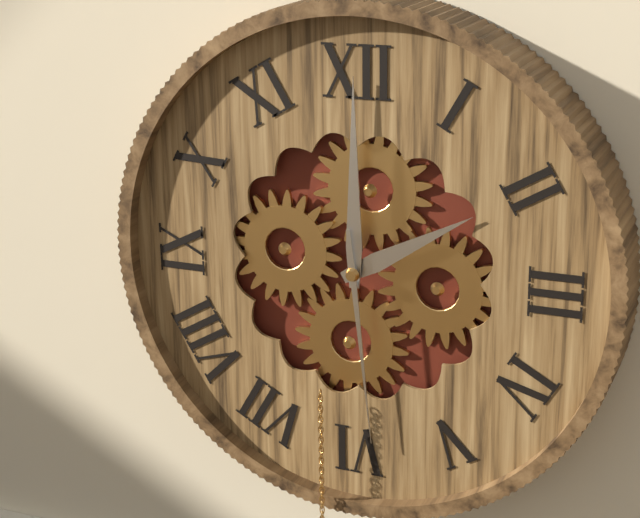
2:00:29
